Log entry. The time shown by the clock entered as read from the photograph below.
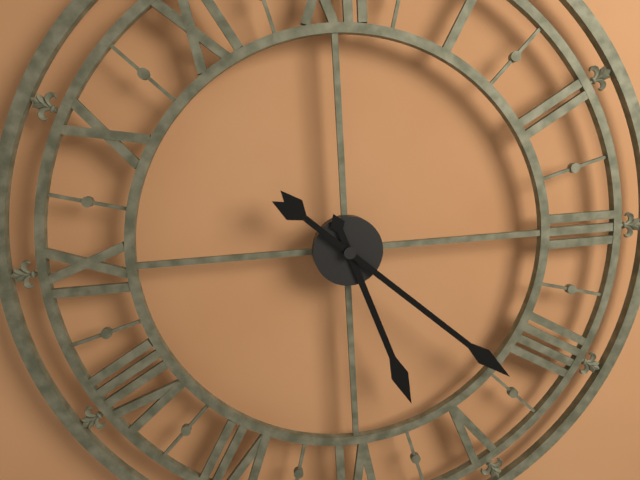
5:22
